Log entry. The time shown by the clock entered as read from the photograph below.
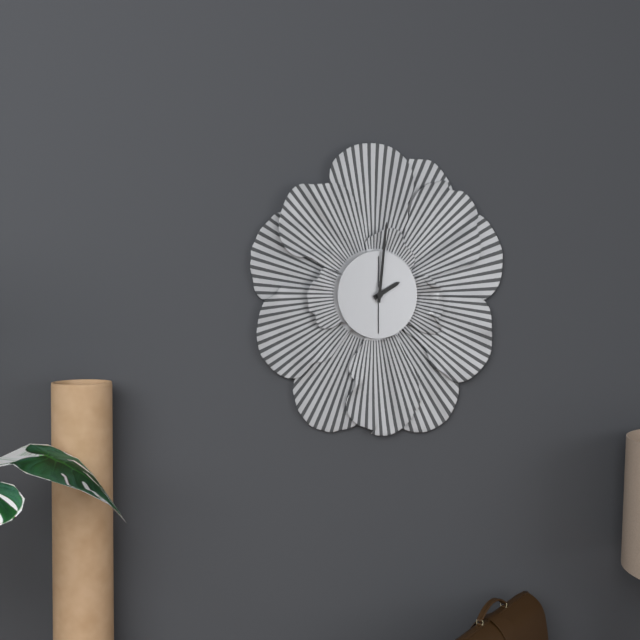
2:01
